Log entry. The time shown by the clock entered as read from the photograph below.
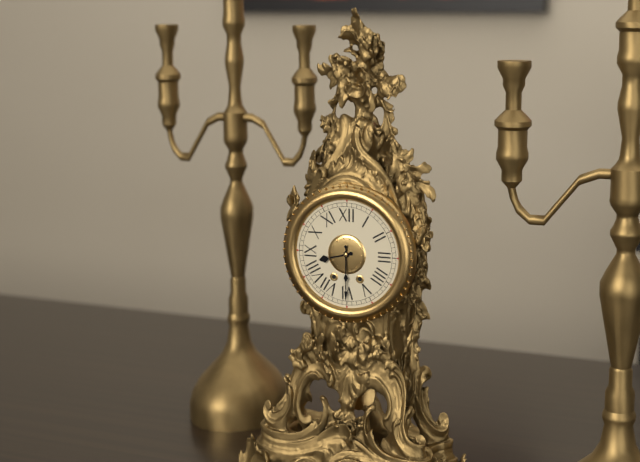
8:30
